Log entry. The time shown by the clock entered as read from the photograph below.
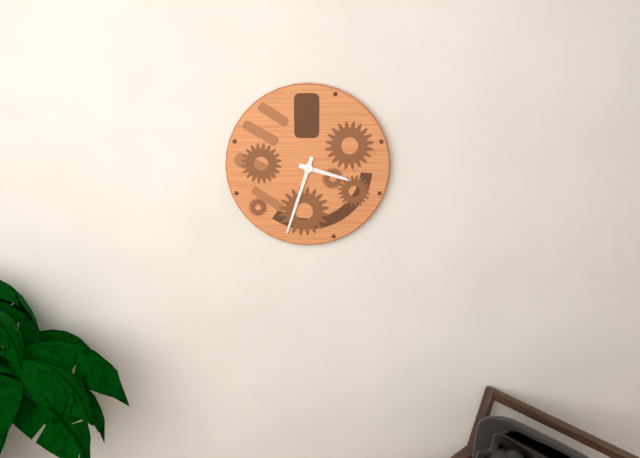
3:33
